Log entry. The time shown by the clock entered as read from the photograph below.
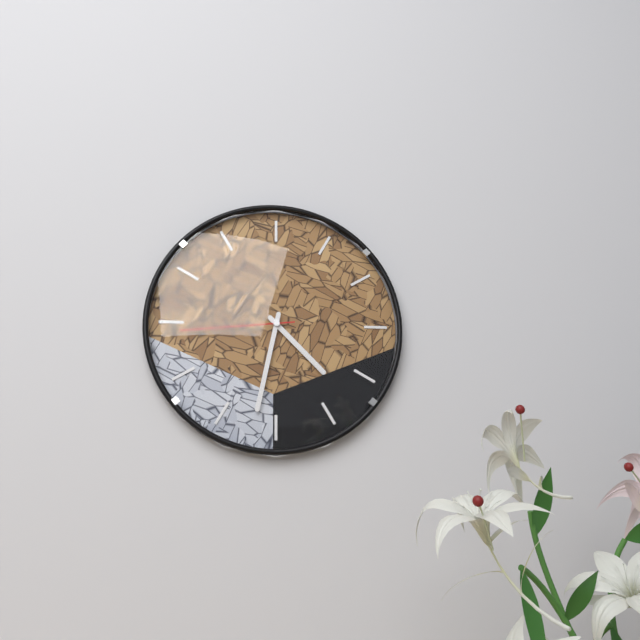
4:32:44
